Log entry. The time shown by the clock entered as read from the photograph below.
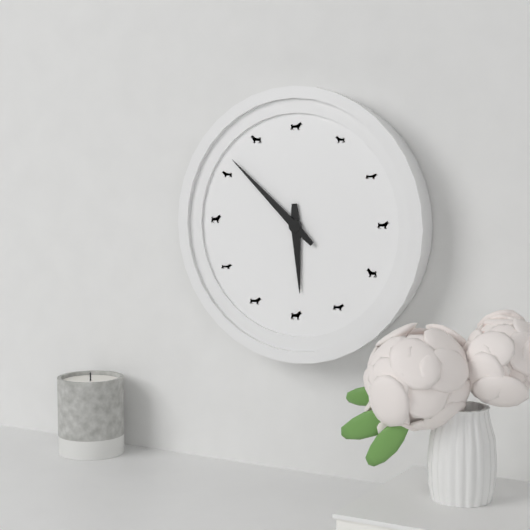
5:52
